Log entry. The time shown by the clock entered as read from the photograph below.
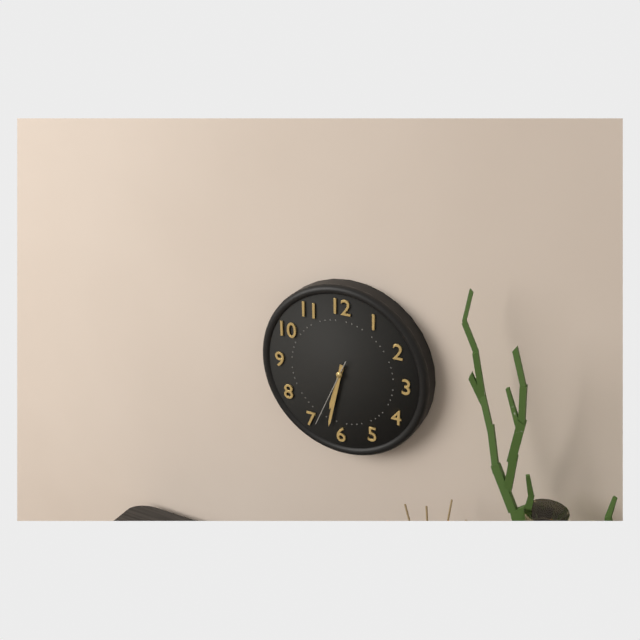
6:32:34
